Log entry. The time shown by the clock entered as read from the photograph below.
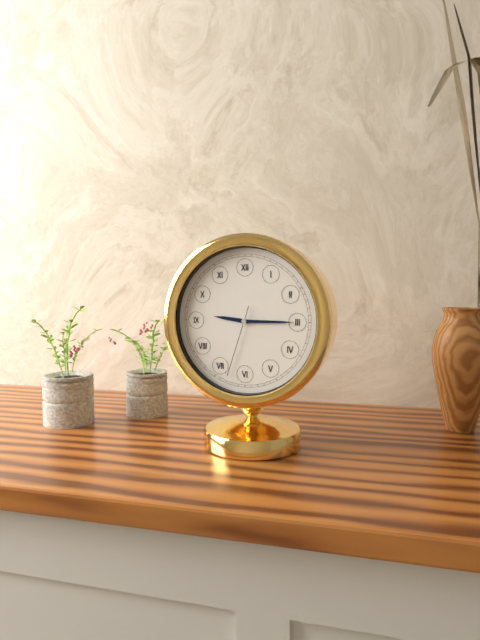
9:15:33
